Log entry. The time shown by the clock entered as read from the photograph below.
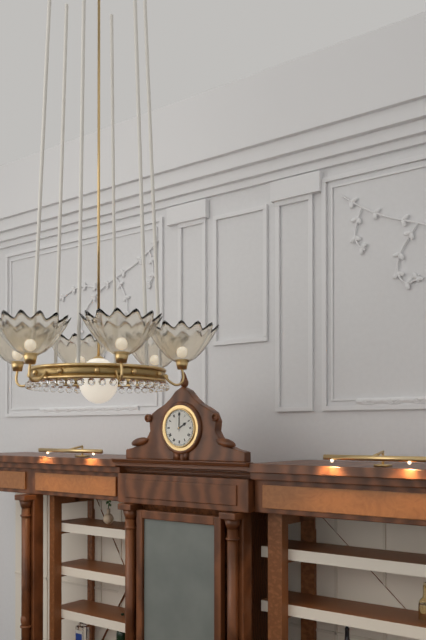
2:00
